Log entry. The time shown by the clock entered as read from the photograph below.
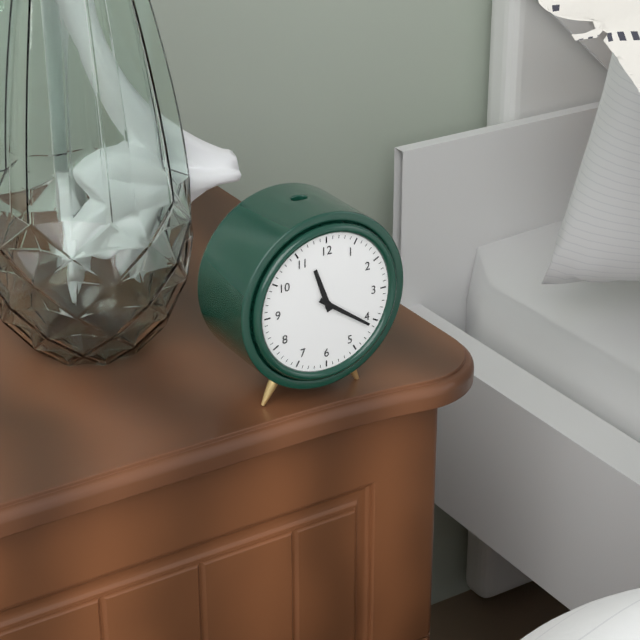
11:21
